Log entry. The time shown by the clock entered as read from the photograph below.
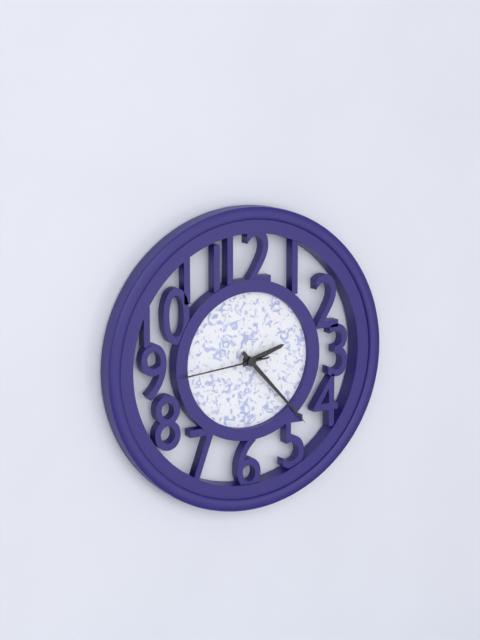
2:23:44
